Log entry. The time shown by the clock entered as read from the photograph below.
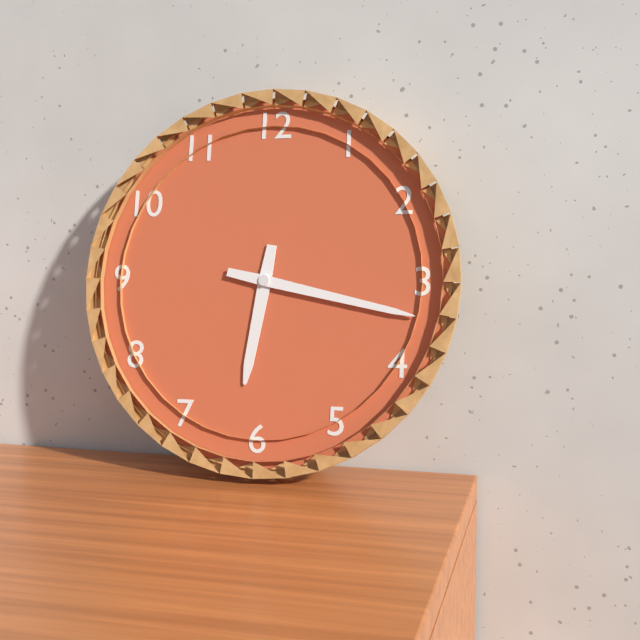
6:17
